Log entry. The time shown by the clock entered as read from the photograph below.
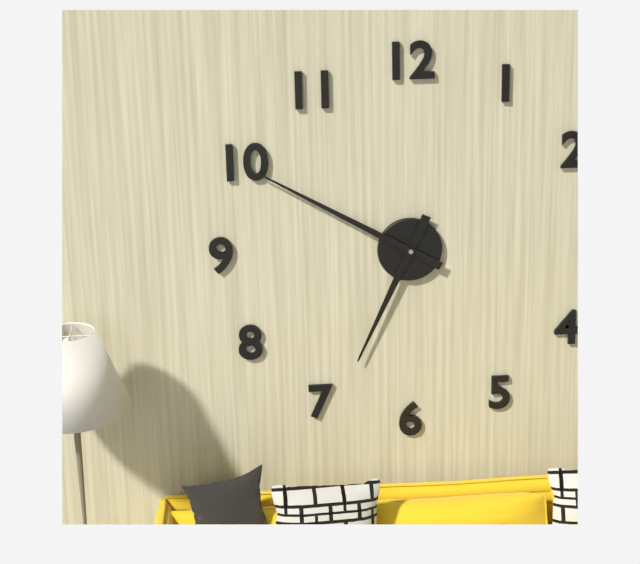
6:50
